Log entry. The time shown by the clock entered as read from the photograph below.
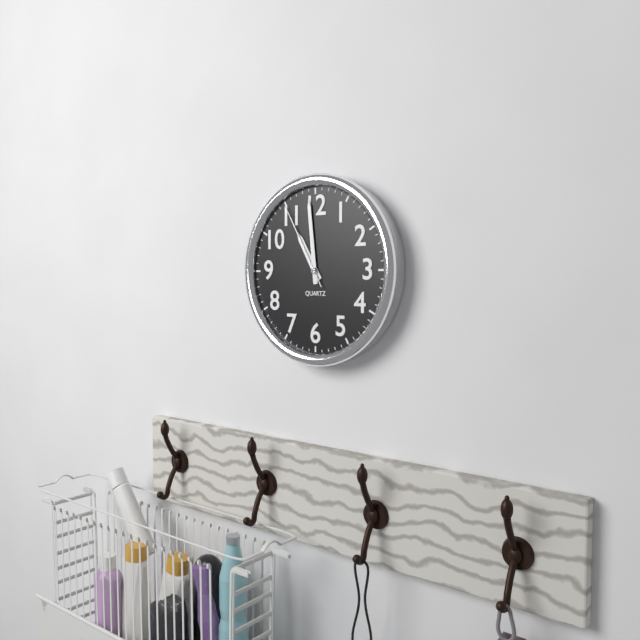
10:59:55
